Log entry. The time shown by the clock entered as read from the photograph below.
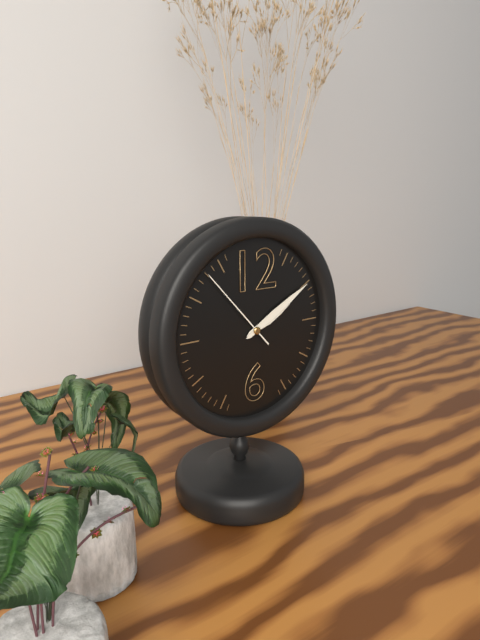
2:10:53
